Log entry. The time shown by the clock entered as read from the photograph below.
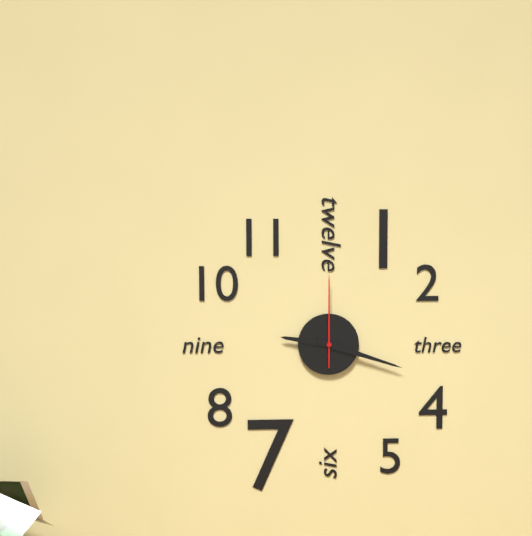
9:18:00
